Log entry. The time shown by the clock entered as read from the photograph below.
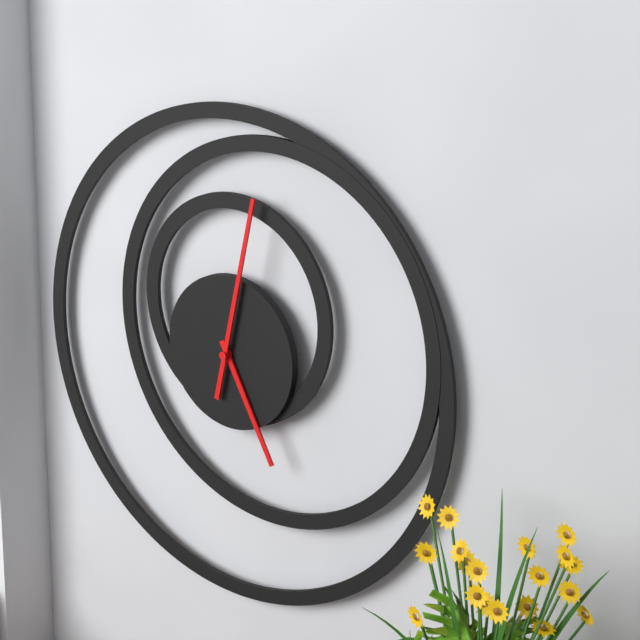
5:02
